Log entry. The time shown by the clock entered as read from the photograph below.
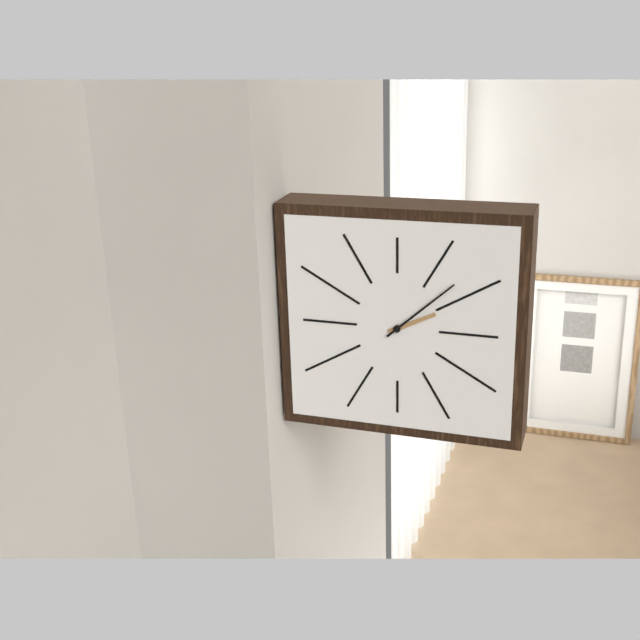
2:08
